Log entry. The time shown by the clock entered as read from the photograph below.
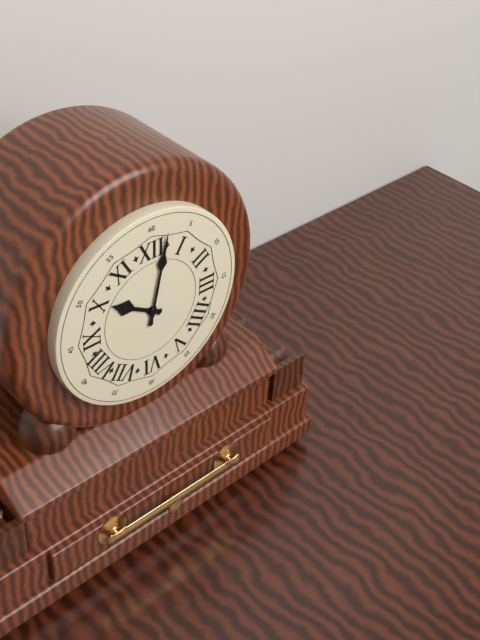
10:02
